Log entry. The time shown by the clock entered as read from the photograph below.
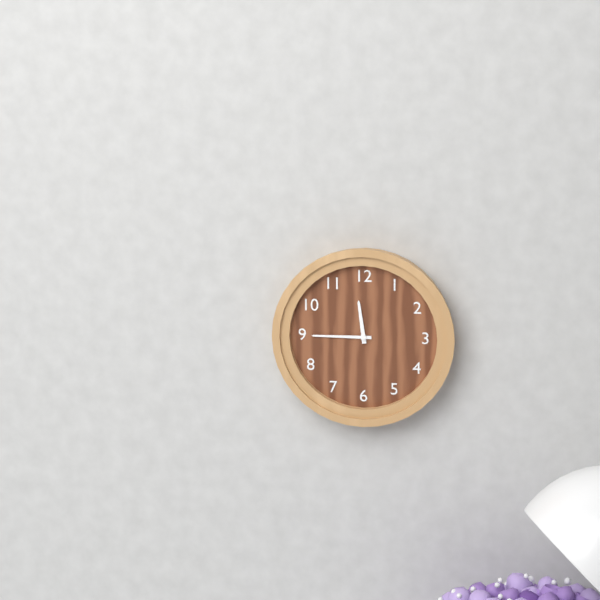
11:45
